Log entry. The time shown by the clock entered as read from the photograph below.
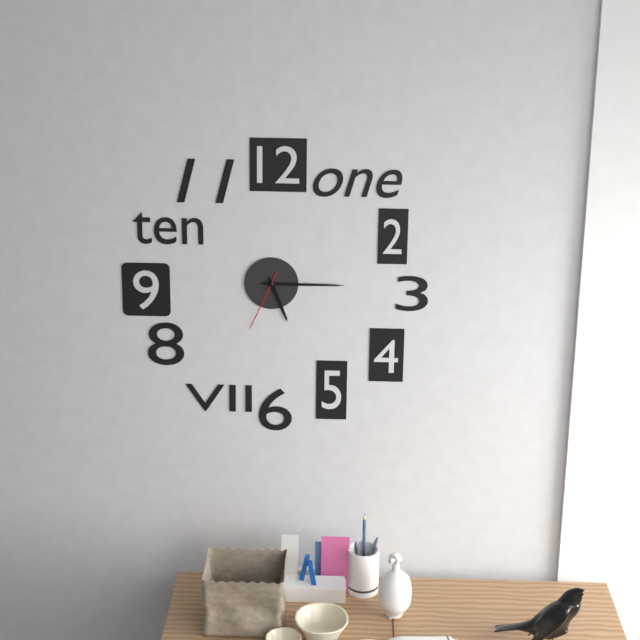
5:15:34
